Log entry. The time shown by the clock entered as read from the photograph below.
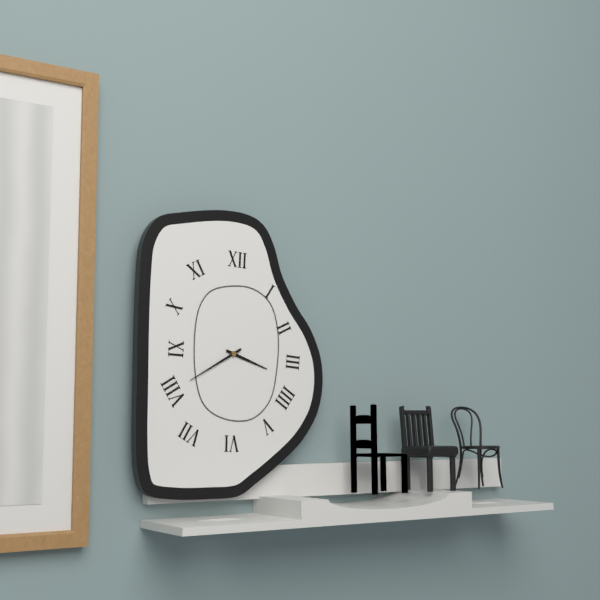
3:40
